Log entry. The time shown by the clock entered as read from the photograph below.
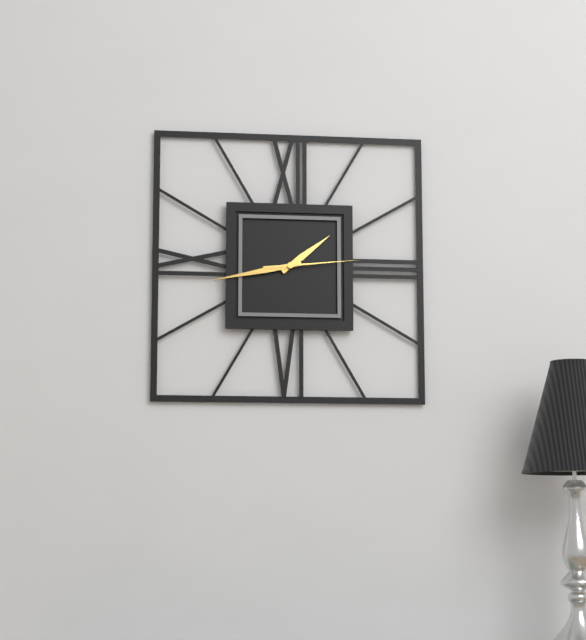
1:43:14
